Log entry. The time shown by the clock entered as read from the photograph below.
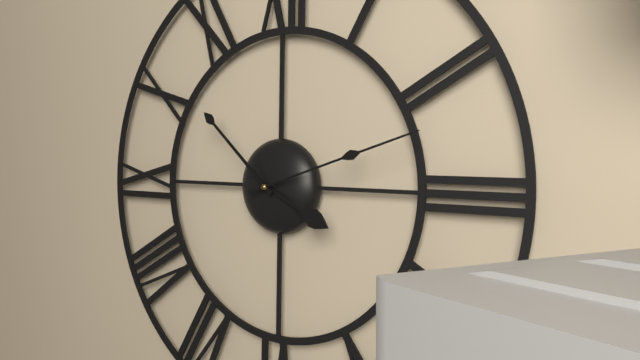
3:52:12
